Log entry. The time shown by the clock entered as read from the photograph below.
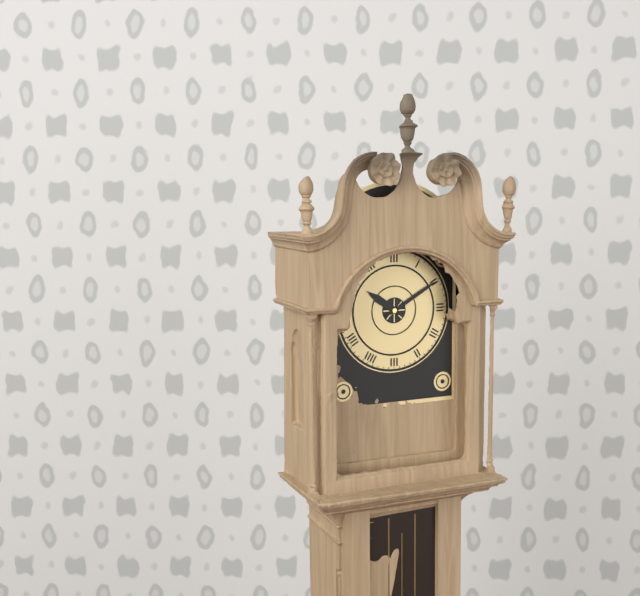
10:10
